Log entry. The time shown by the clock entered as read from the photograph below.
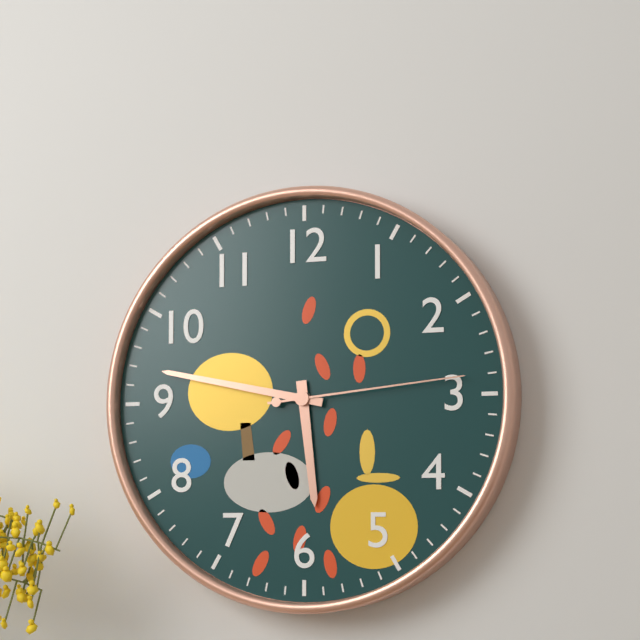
5:47:14
